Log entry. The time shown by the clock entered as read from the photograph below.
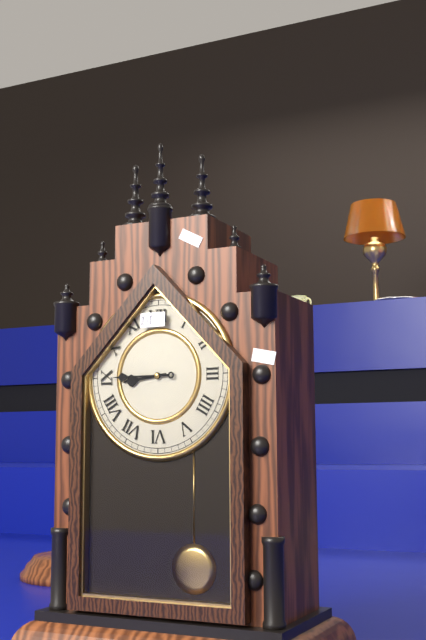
8:45
